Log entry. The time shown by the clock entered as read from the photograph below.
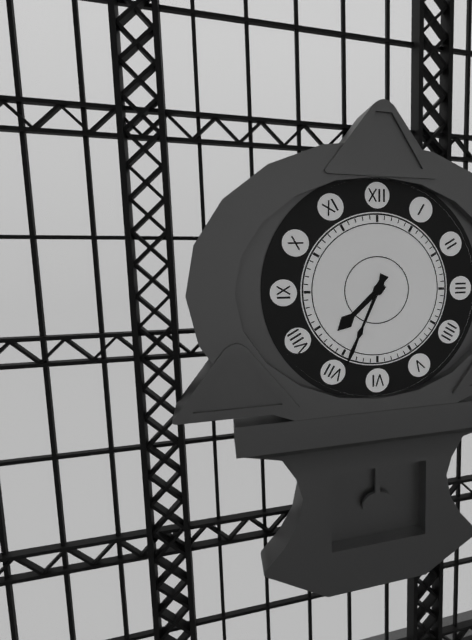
7:34
